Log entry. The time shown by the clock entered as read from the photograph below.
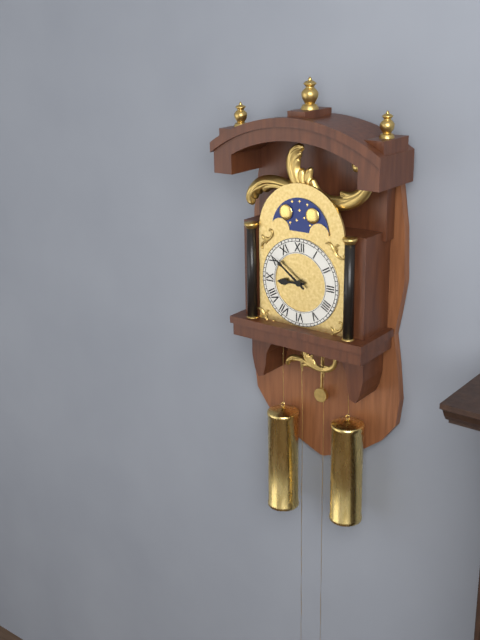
8:51
